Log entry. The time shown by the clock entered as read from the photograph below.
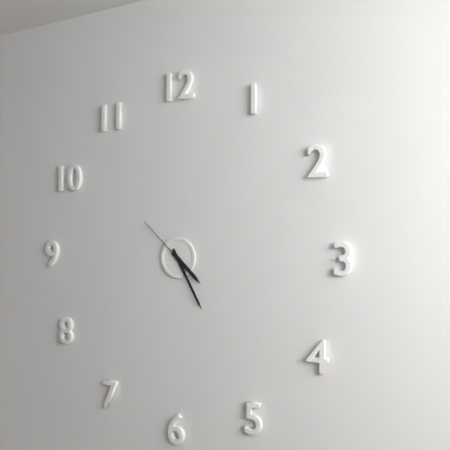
4:25:52
